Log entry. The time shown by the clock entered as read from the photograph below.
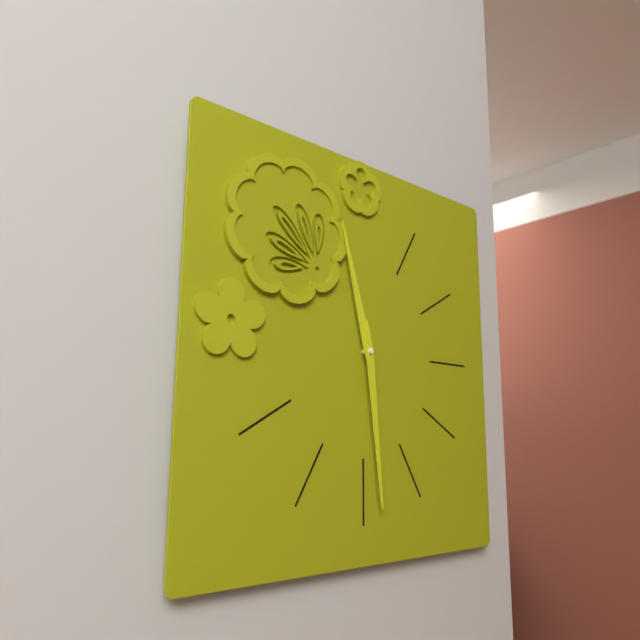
11:29
